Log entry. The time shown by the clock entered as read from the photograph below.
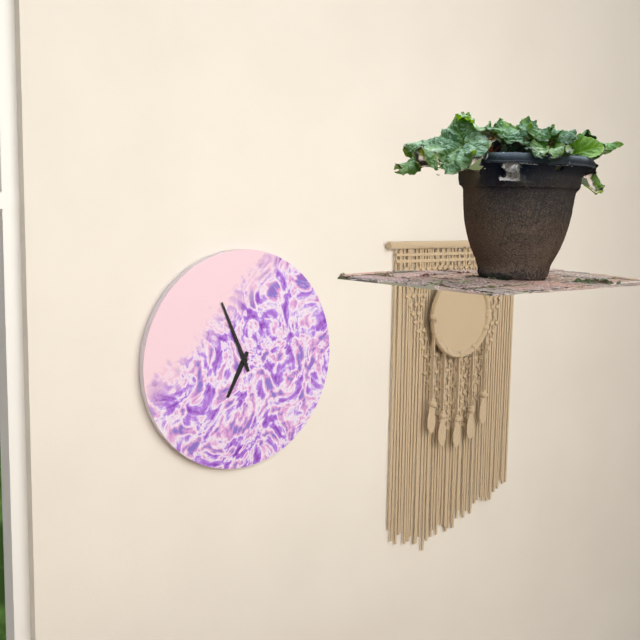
6:56
